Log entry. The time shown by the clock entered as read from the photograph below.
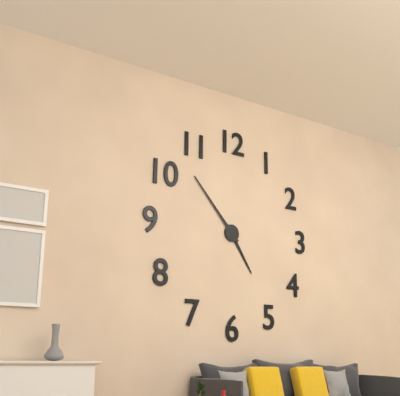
4:53
